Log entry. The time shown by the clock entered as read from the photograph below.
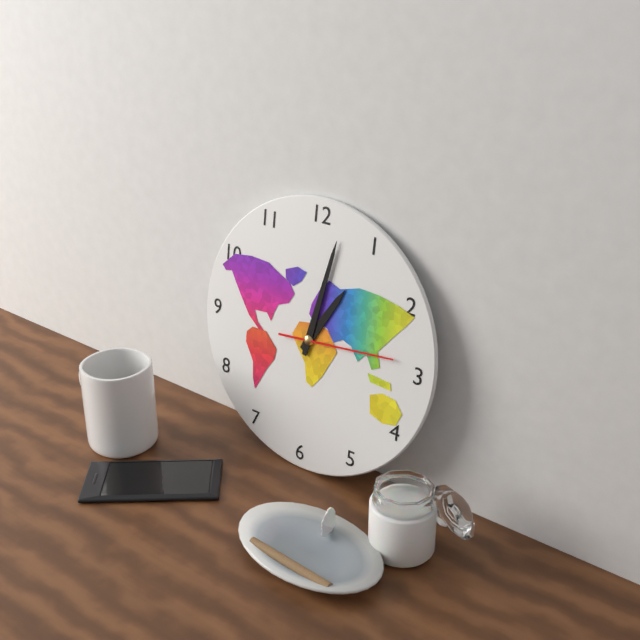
1:02:14
